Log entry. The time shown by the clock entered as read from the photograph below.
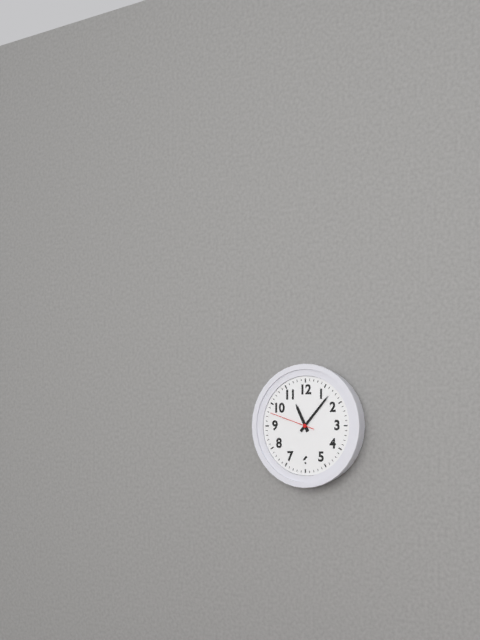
11:07
